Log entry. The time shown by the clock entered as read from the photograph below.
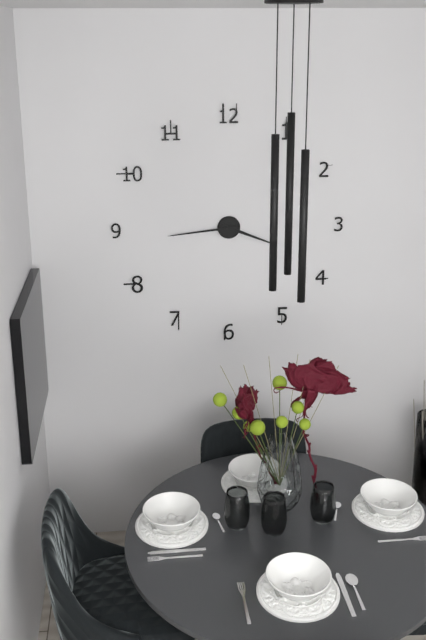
3:44
